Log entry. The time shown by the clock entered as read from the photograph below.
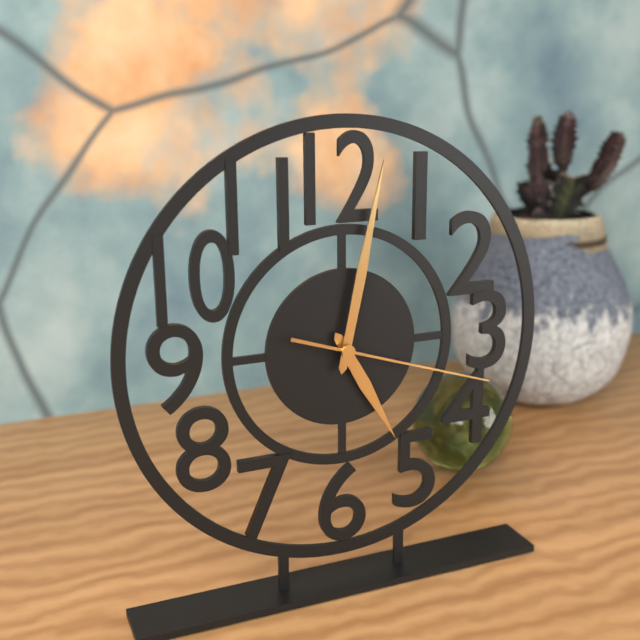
5:02:18
